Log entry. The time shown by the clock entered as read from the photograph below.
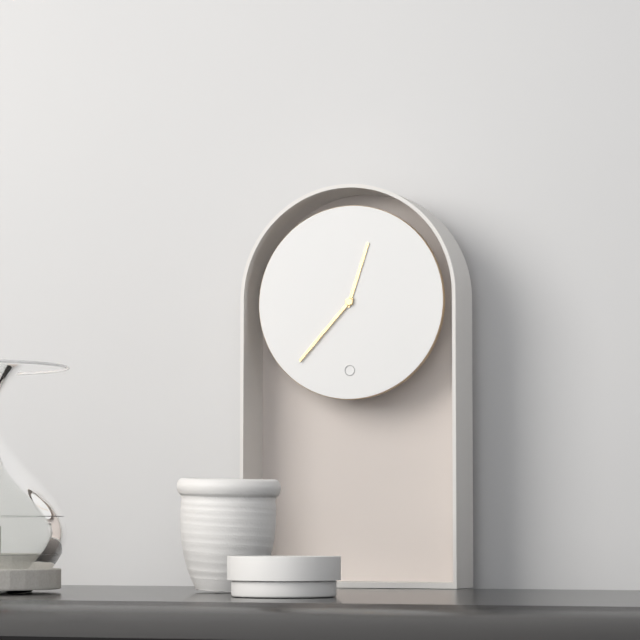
12:37
